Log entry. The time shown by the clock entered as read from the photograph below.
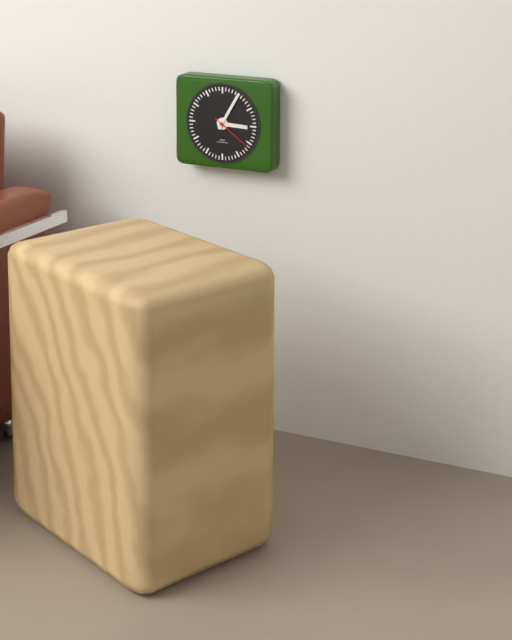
3:05
